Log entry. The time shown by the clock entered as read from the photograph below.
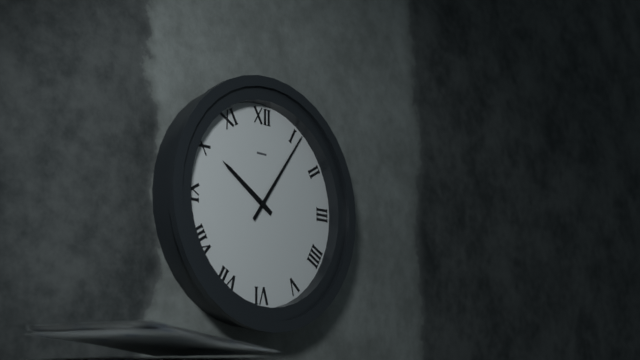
10:06
